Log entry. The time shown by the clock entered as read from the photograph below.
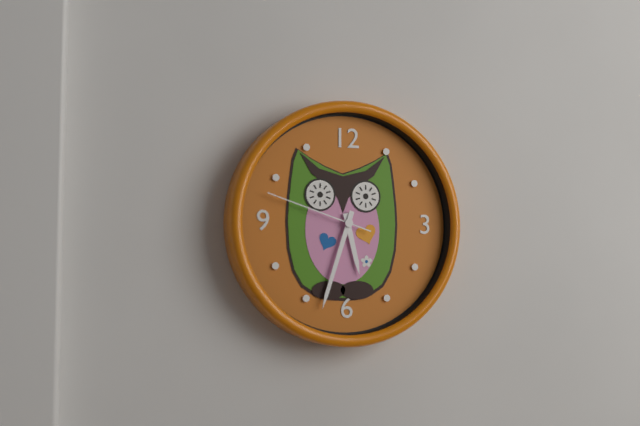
5:33:48
